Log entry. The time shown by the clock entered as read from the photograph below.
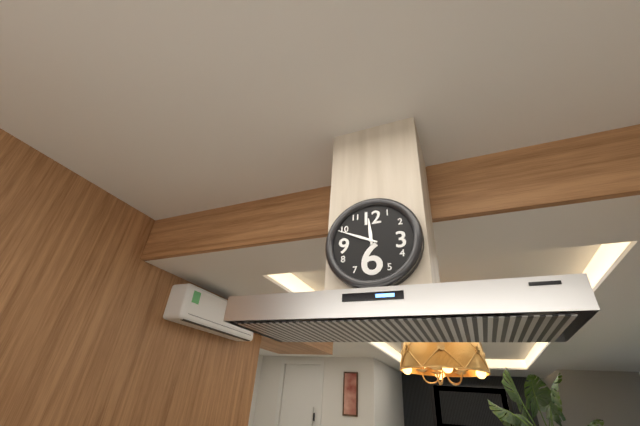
11:49
